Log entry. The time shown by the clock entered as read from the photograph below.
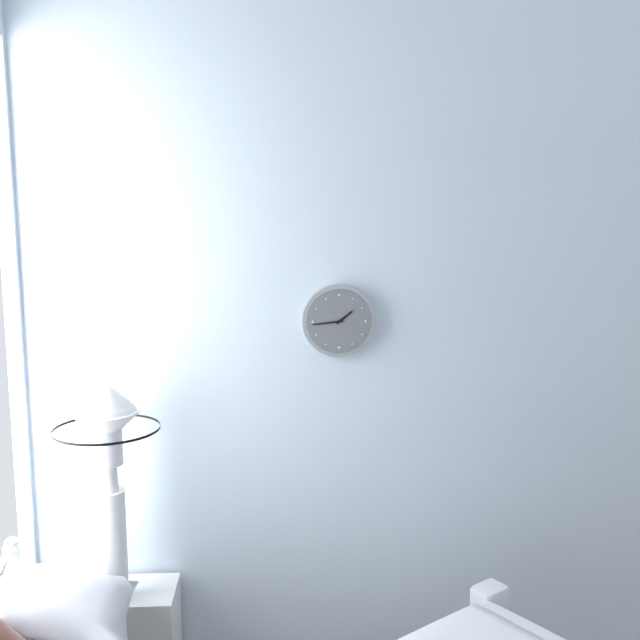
1:44
